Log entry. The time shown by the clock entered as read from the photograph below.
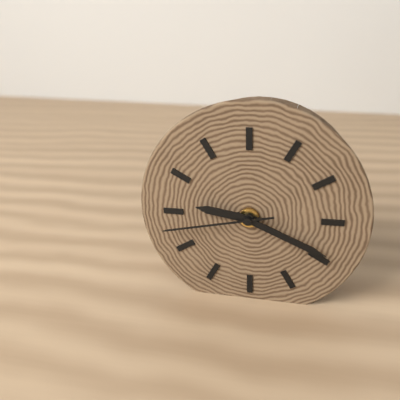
9:19:43
